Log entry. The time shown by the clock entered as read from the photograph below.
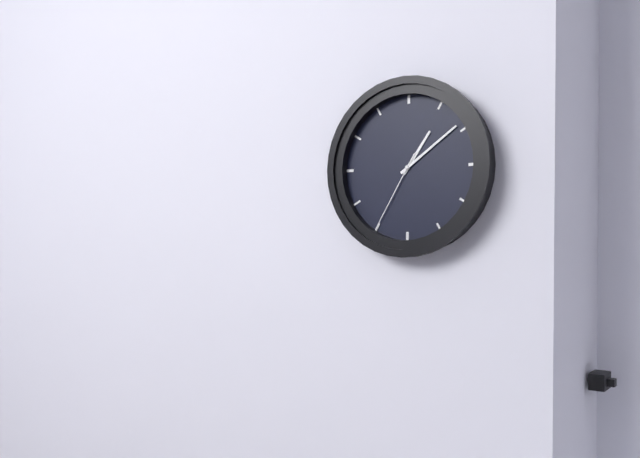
1:09:35
